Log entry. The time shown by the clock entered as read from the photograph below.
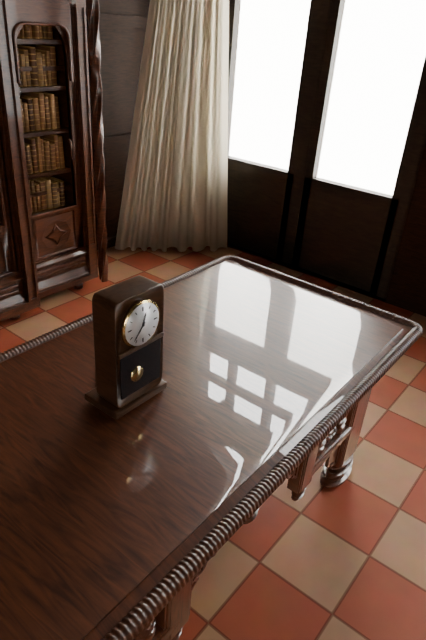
12:37
